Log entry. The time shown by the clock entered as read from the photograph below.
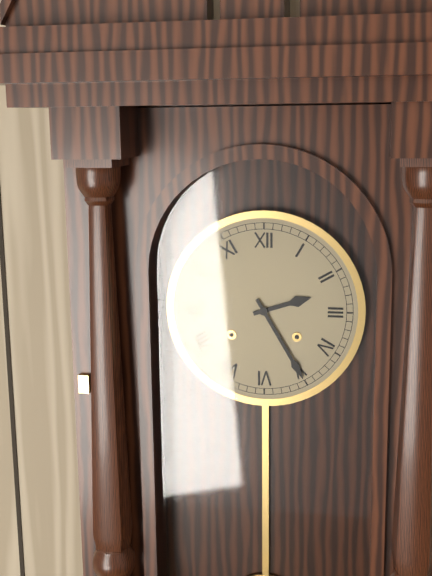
2:25
